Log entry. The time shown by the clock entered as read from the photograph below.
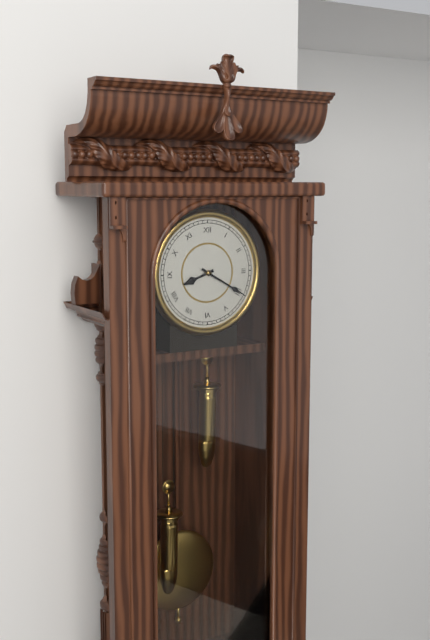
8:20
